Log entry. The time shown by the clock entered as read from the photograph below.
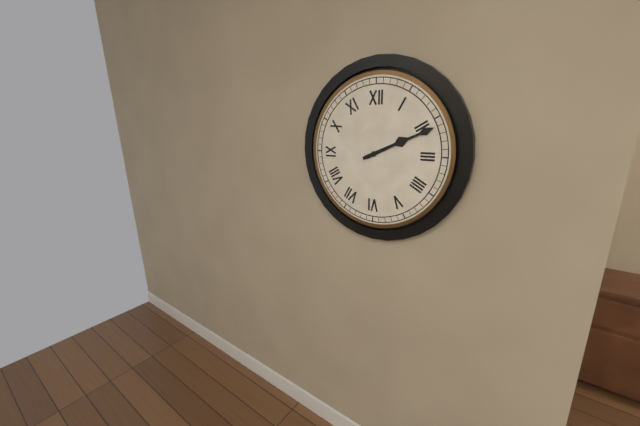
2:11
